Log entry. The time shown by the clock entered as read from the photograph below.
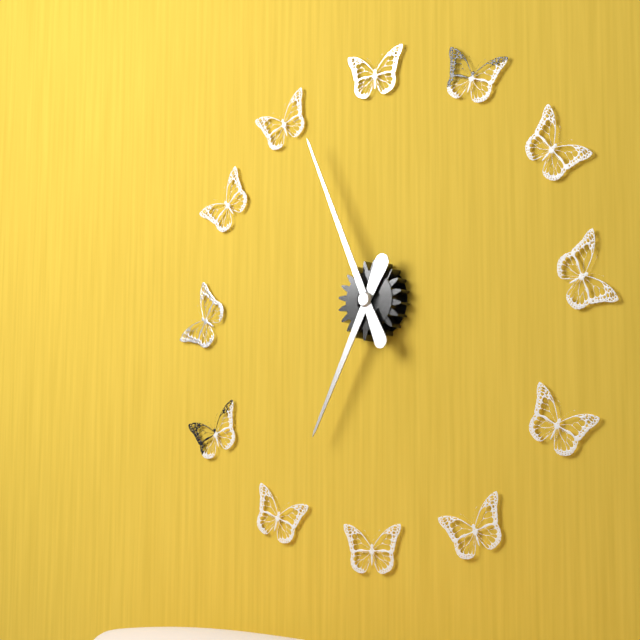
6:56
